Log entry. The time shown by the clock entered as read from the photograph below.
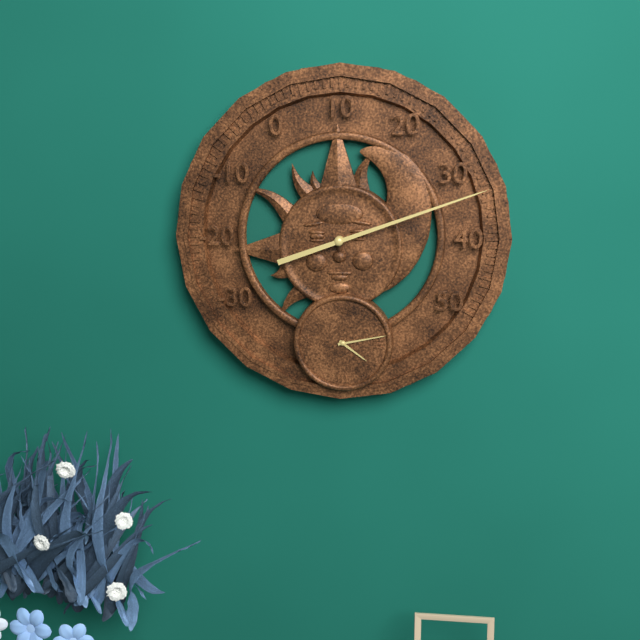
4:13
